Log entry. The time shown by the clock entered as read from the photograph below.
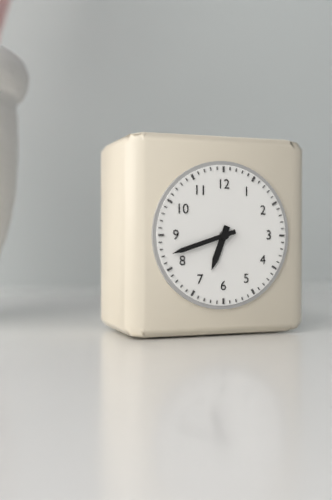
6:42
